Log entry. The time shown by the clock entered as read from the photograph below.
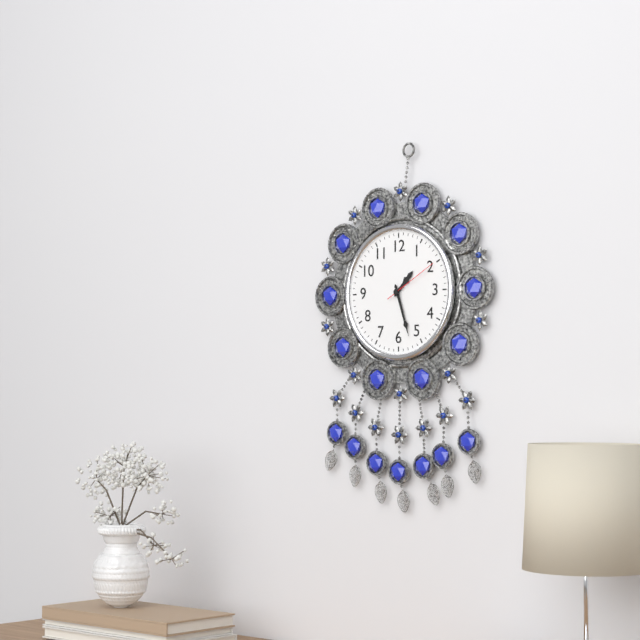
1:27:10
